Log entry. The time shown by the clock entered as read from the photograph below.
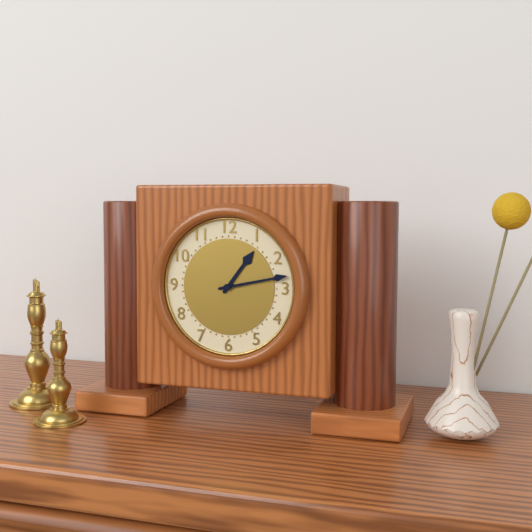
1:13
